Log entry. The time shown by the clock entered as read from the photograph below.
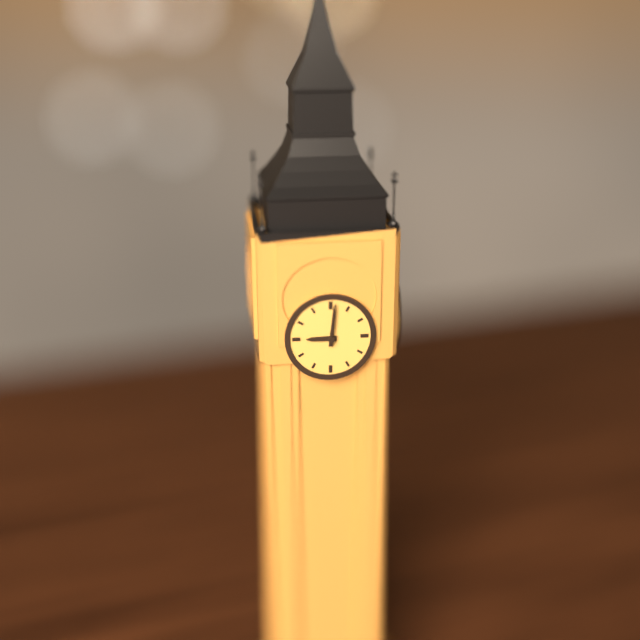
9:01
